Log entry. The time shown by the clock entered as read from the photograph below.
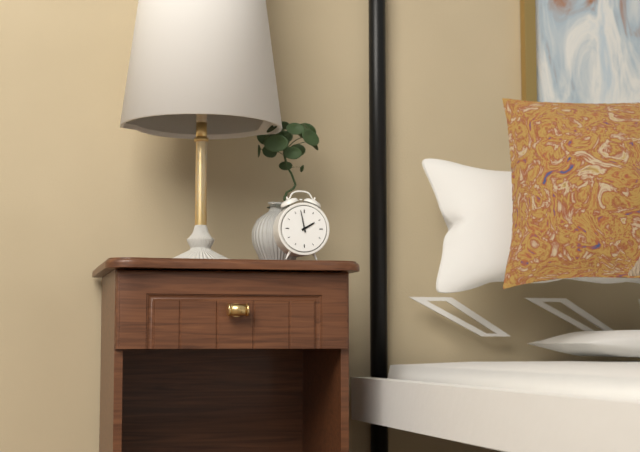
1:58
